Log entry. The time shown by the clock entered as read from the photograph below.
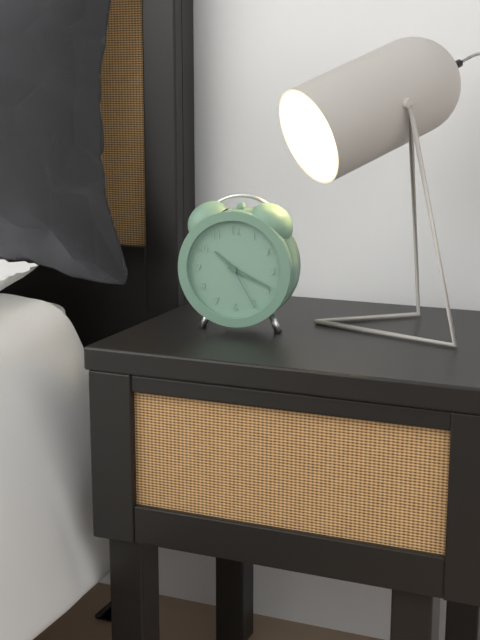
10:19:25
